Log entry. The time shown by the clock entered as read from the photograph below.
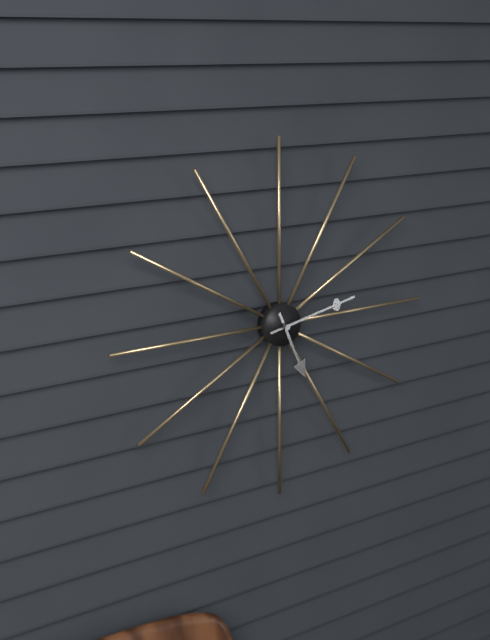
5:13
